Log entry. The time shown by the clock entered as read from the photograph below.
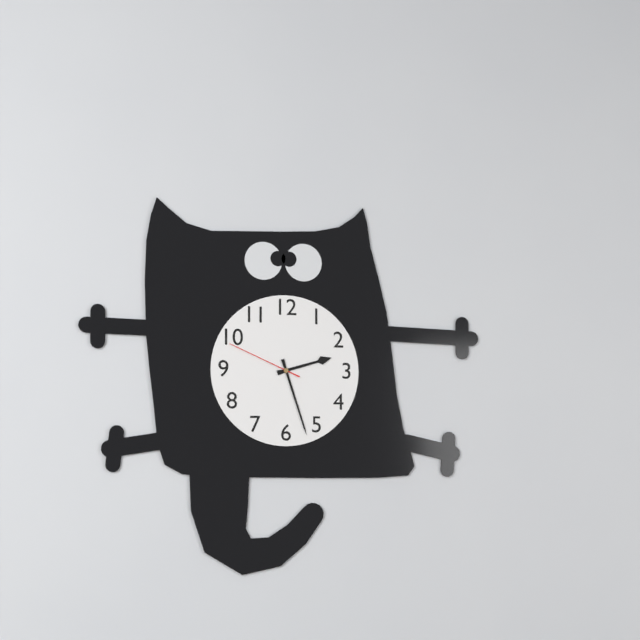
2:27:49
